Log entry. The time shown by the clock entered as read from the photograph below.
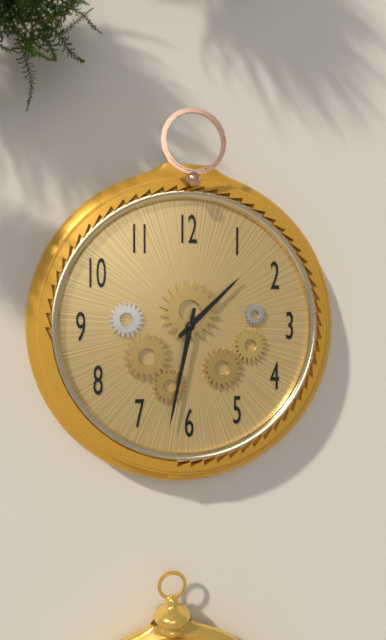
1:32
